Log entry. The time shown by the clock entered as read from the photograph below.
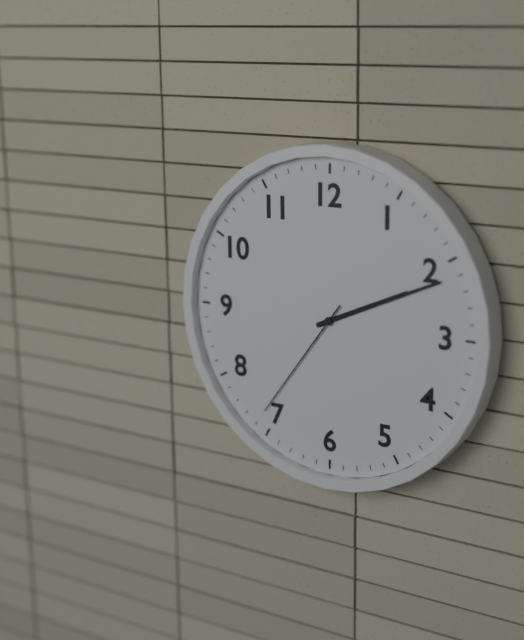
2:11:36
